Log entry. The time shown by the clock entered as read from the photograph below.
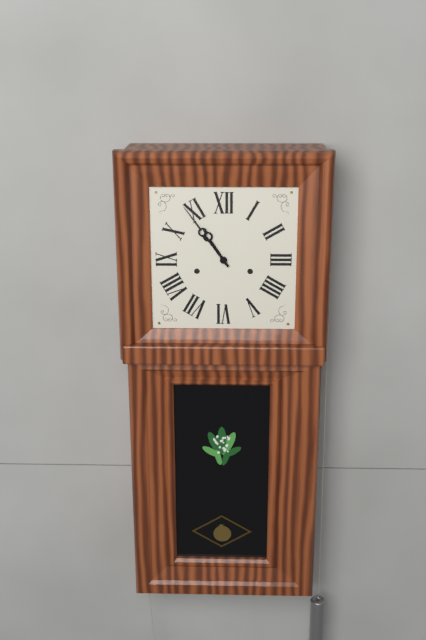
10:54
